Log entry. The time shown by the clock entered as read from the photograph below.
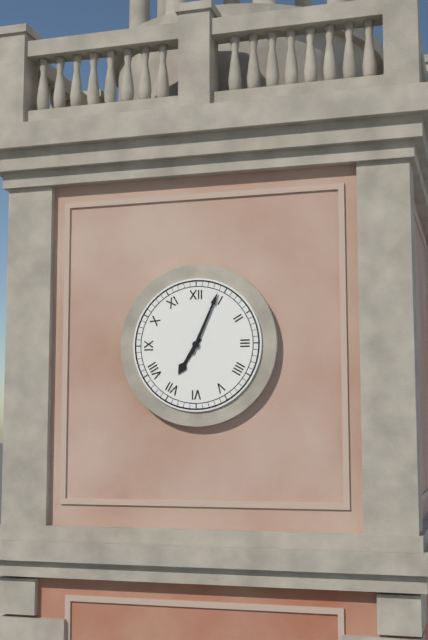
7:04
